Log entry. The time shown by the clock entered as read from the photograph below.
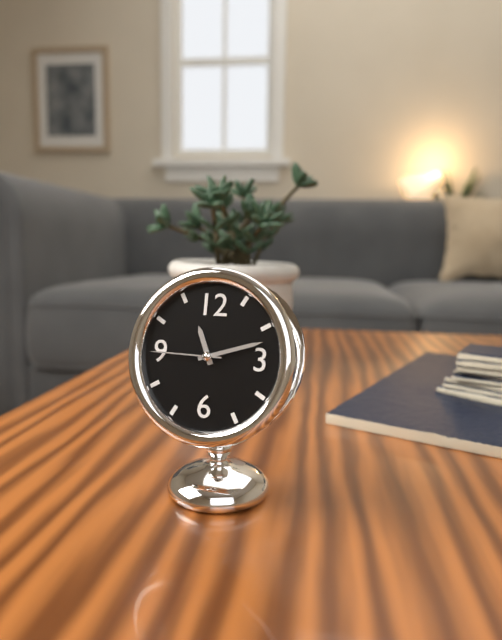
11:12:45
